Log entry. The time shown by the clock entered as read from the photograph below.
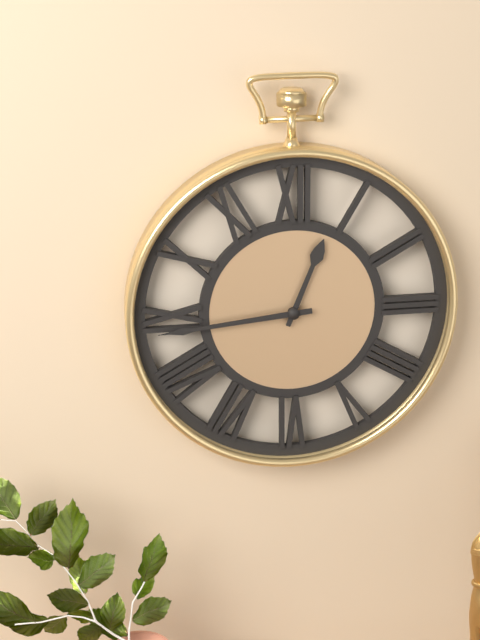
12:44
